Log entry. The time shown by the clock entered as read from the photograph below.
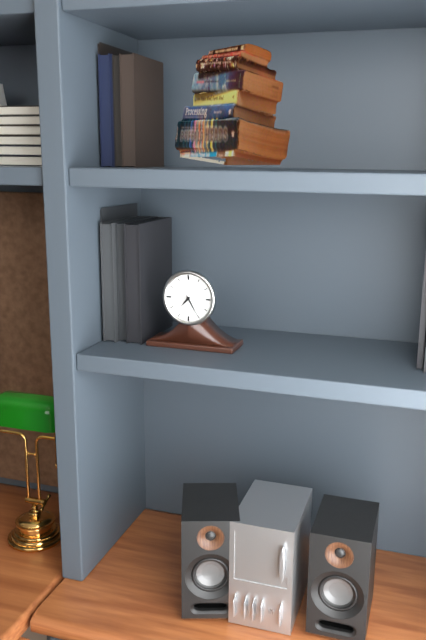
7:25
